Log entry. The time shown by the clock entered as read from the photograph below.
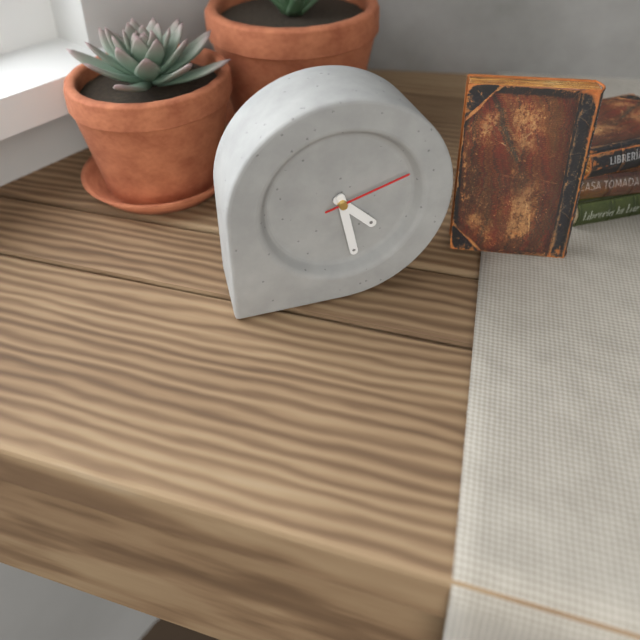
4:28:12
